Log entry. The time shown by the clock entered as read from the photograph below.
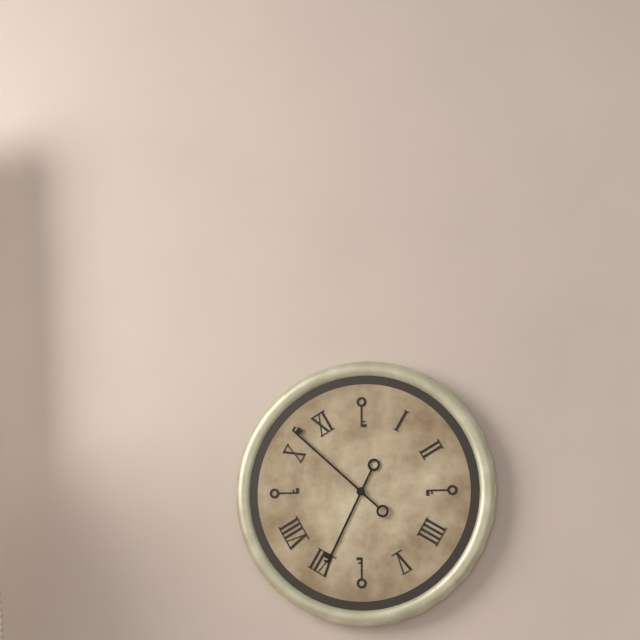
6:52
